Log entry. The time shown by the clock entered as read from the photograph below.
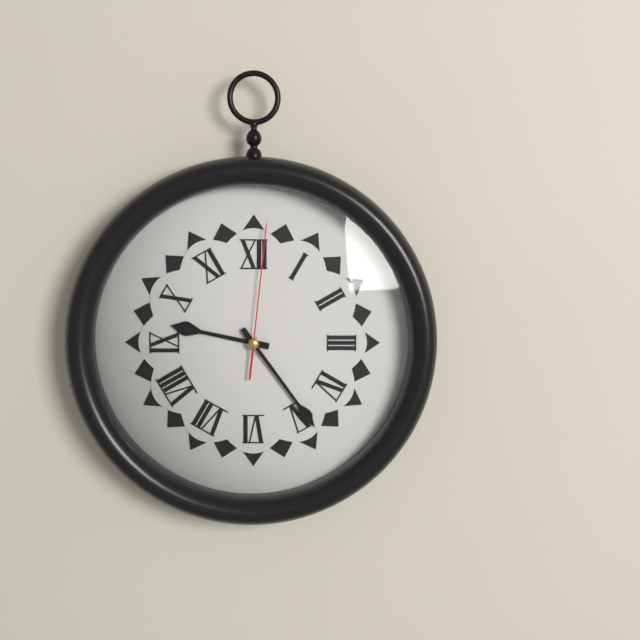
9:24:01
